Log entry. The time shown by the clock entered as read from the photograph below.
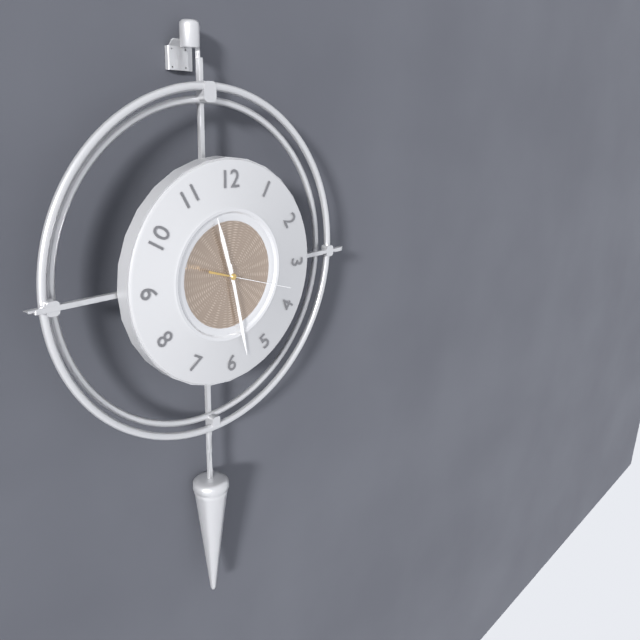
11:28:18
